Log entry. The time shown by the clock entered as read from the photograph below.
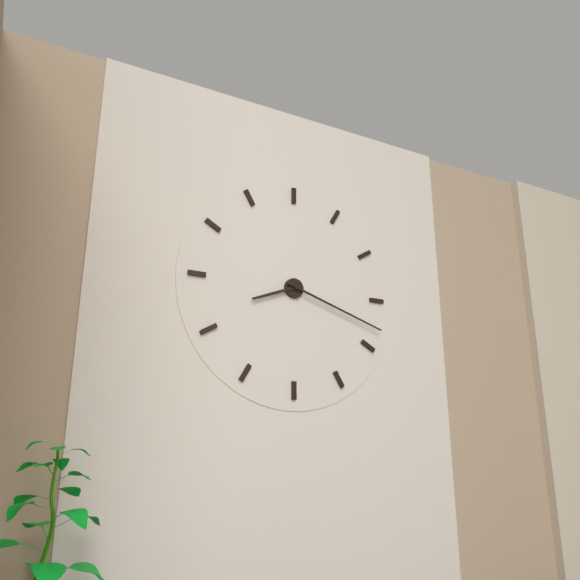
8:18
